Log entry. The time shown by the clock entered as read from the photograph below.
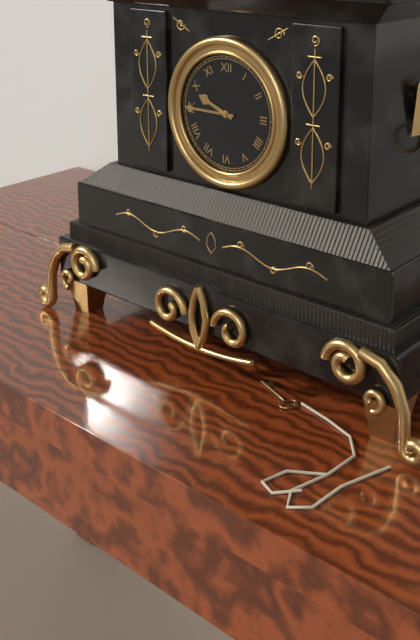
9:45
